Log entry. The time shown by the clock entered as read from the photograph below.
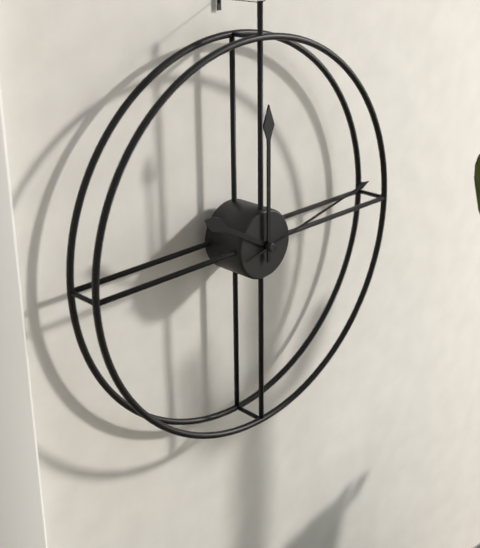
10:00:13
